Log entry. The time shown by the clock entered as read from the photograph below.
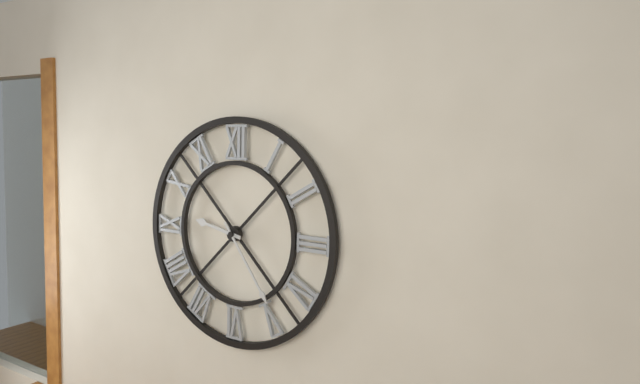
9:24
